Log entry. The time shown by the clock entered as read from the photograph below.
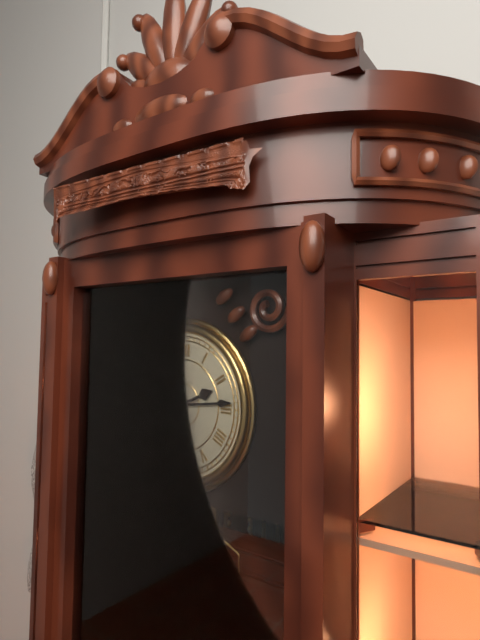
2:14
